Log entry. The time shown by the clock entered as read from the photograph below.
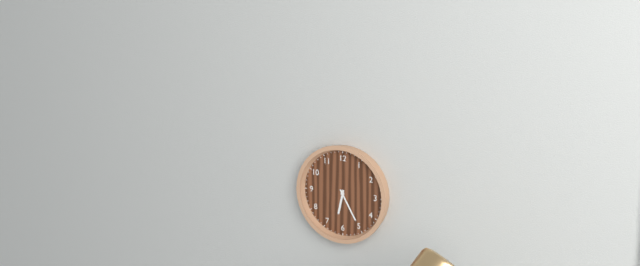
6:25
